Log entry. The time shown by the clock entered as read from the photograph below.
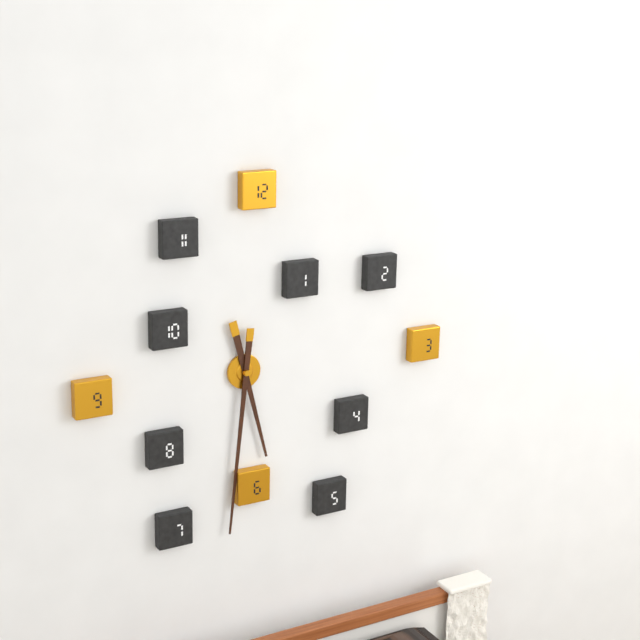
5:31
